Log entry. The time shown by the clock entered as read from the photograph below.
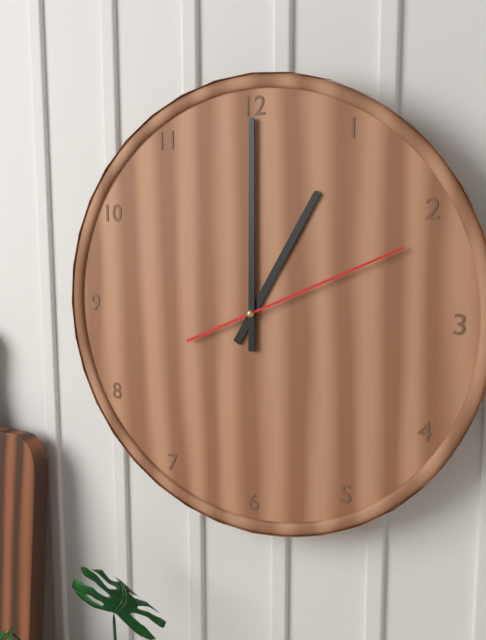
1:00:11
